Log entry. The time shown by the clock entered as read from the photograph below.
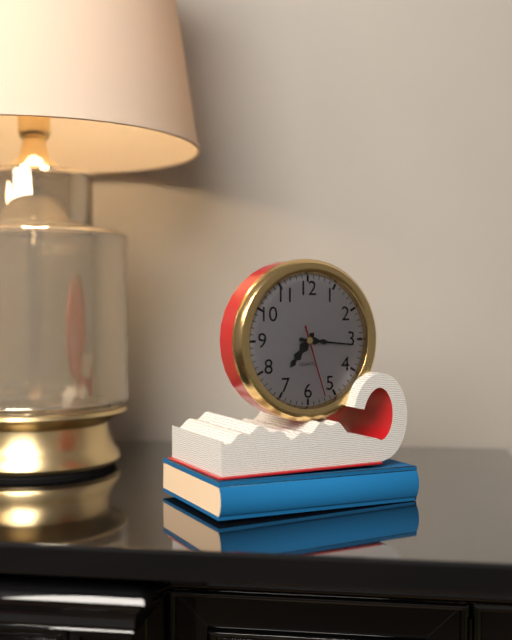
7:16:27
